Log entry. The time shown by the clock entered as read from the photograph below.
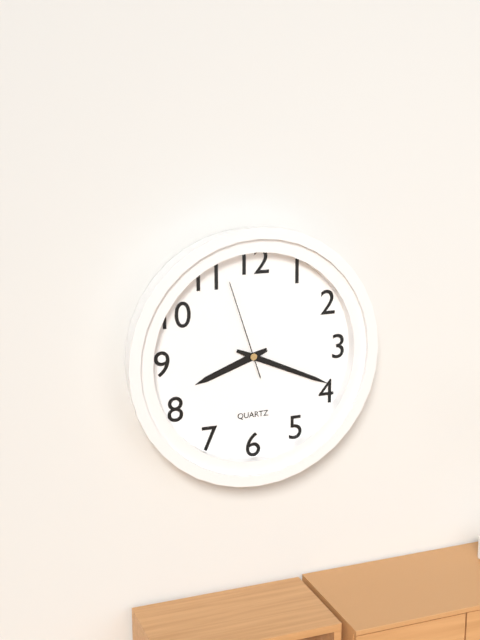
8:19:57
